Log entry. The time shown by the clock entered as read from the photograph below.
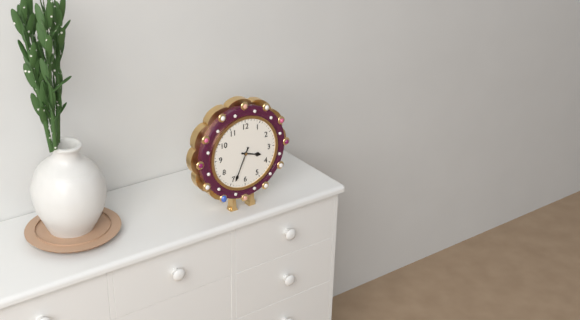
3:34
